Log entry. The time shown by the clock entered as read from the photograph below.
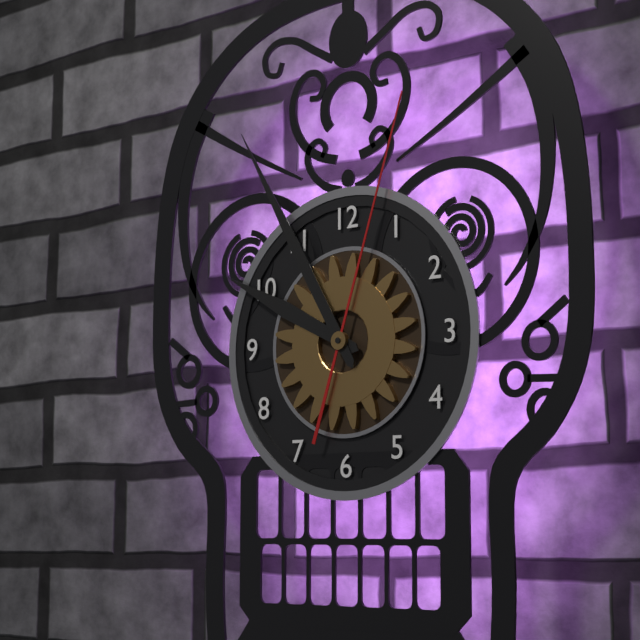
9:55:03
